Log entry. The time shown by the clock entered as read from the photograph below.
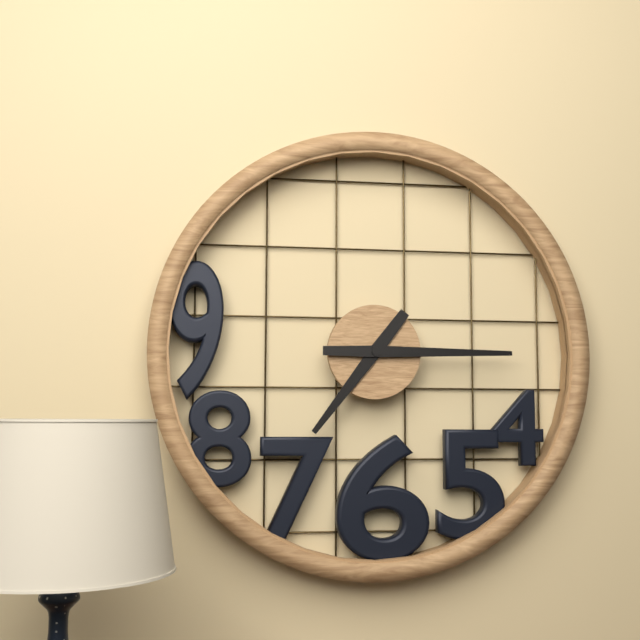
7:15
